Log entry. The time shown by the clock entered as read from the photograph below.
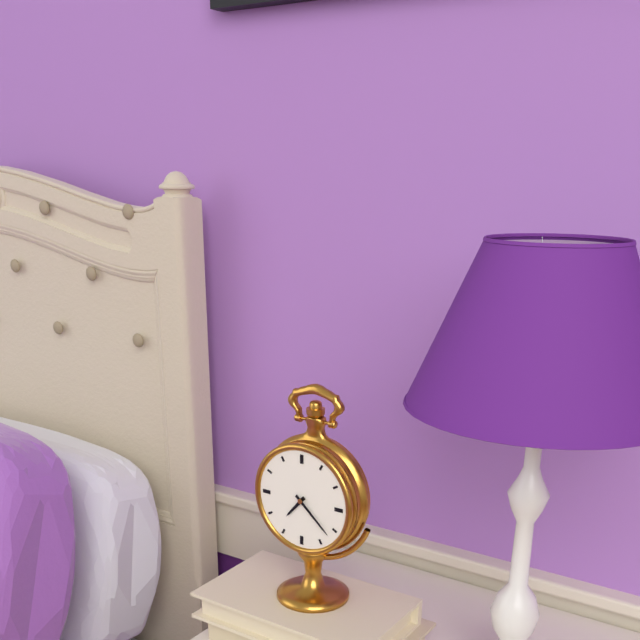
7:22
